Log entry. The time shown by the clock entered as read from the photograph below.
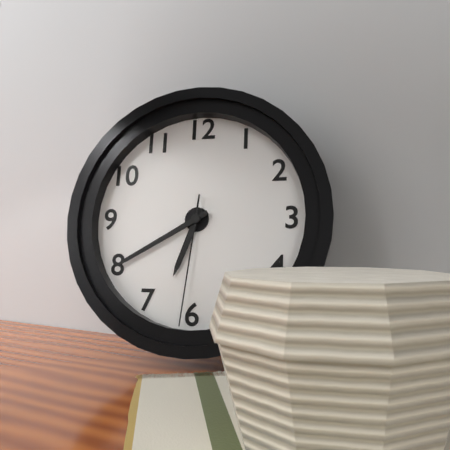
6:40:31
